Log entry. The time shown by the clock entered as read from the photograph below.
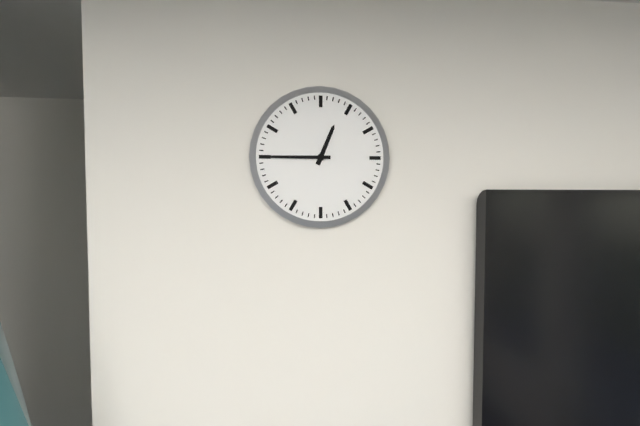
12:45
